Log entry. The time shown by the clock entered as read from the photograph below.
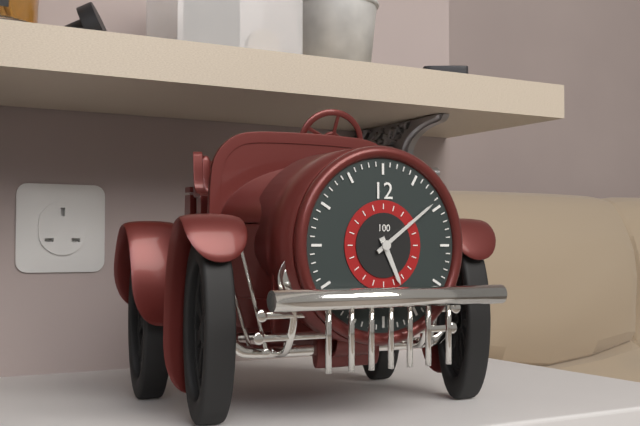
5:09
